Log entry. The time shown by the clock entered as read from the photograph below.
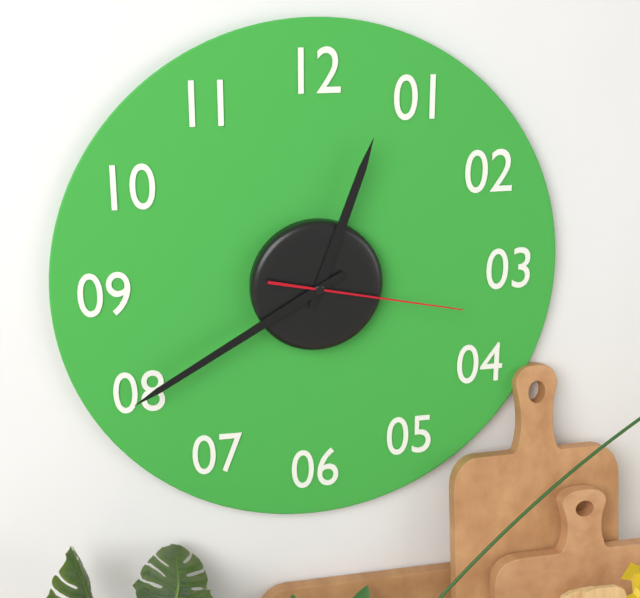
12:40:17
